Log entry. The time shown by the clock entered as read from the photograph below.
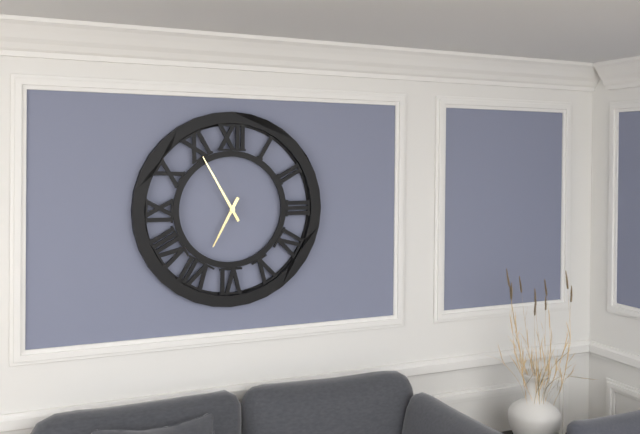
6:55
